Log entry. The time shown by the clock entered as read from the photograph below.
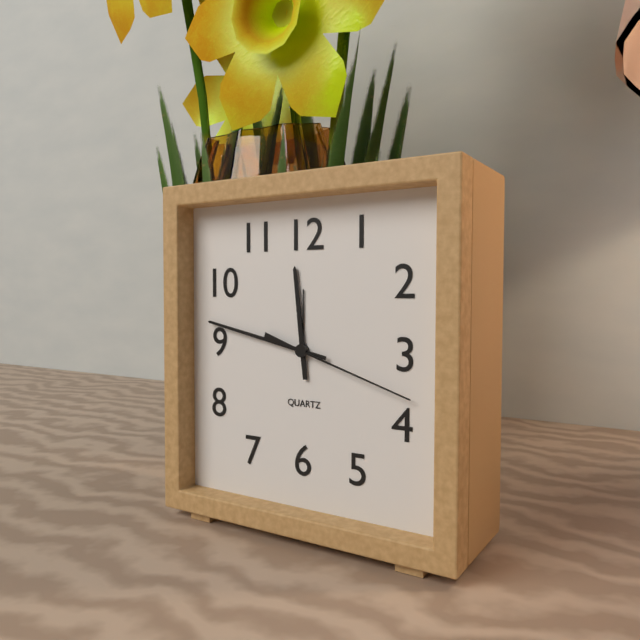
11:47:18
